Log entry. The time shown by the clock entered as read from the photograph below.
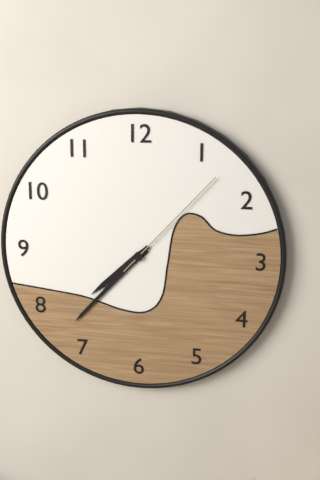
7:37:07
